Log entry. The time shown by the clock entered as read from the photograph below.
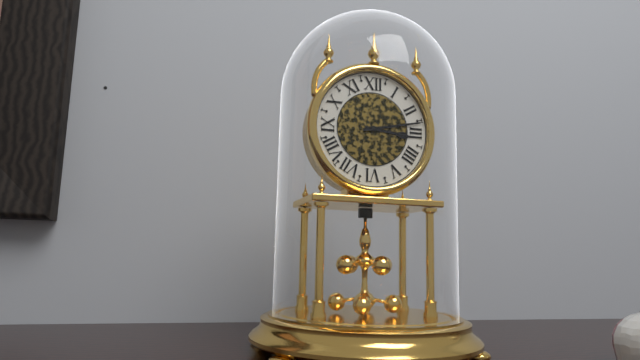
3:13
